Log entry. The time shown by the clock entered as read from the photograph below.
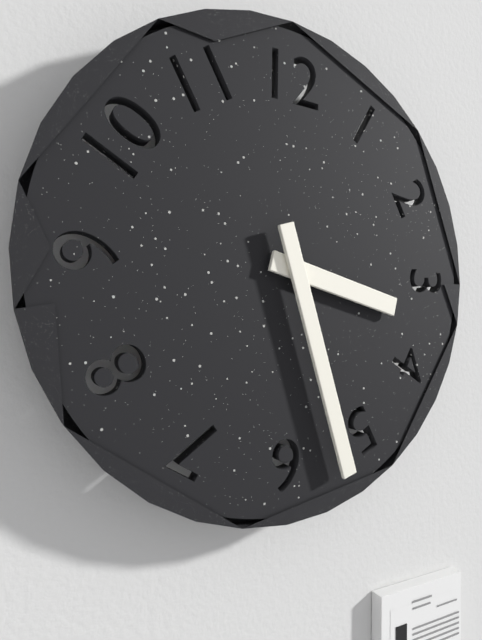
3:27
